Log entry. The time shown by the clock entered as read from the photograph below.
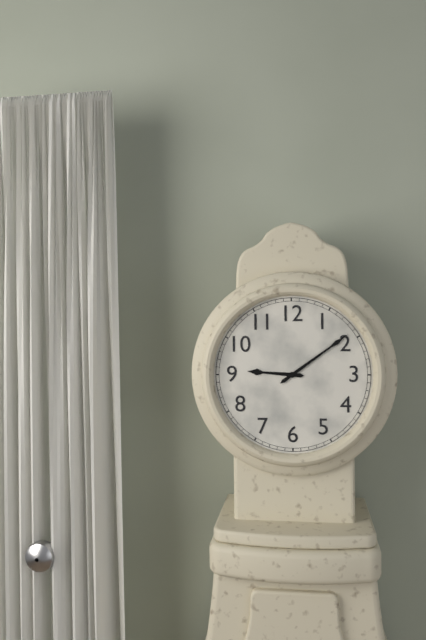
9:09
